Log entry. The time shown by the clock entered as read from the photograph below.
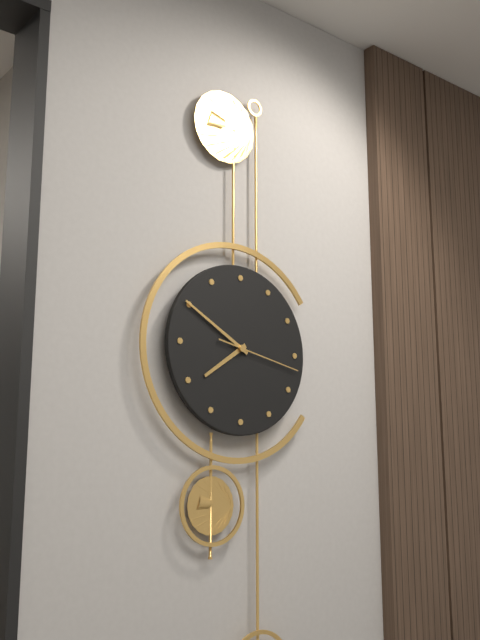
7:50:17
